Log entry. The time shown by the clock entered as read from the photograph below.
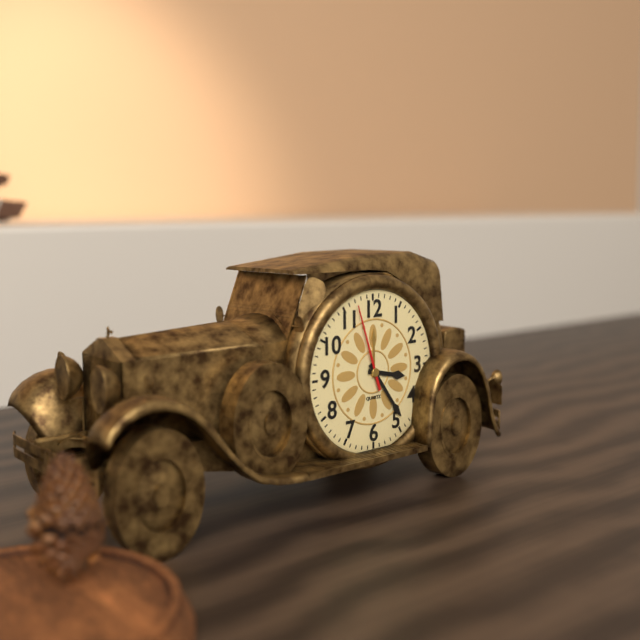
3:24:57
